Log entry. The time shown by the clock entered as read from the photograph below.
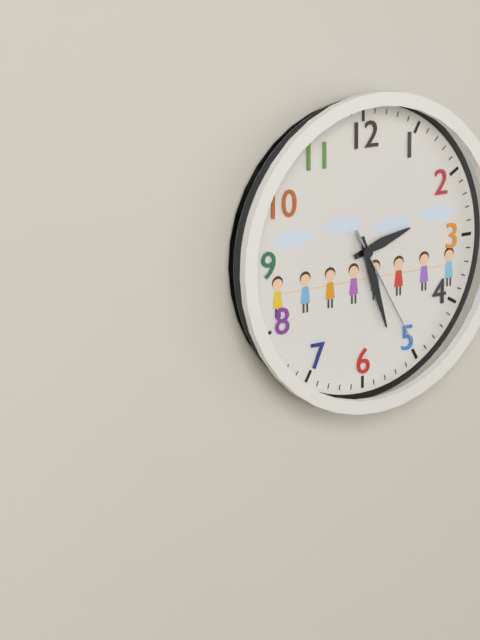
2:27:25
